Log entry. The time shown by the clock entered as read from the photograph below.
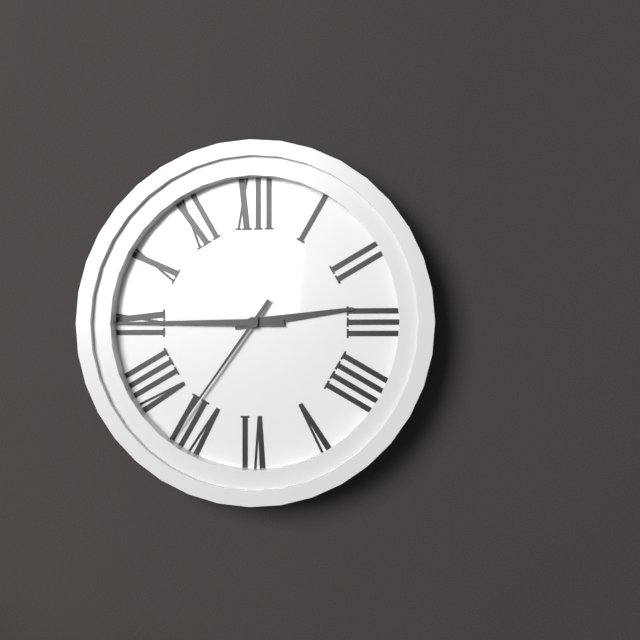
2:45:36
